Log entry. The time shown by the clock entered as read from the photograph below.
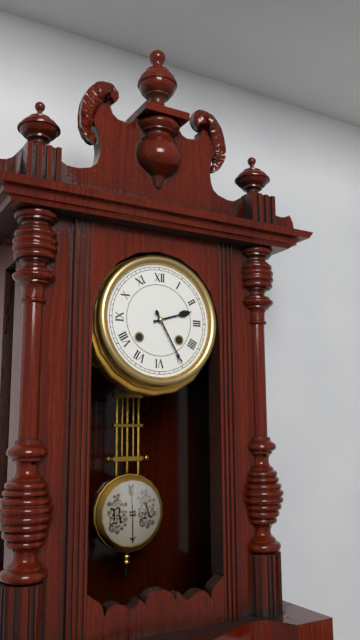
2:25
